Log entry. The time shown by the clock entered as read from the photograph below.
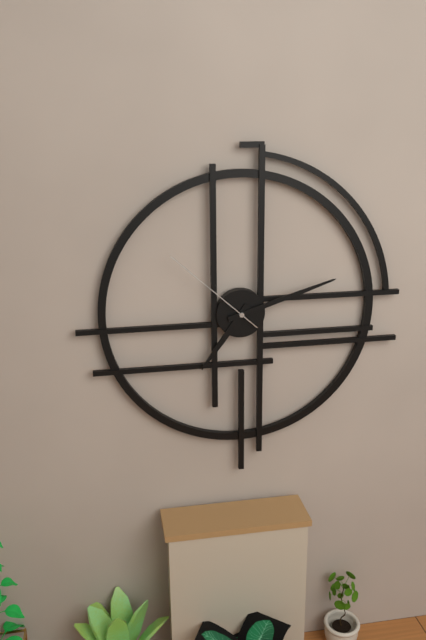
7:12:52
